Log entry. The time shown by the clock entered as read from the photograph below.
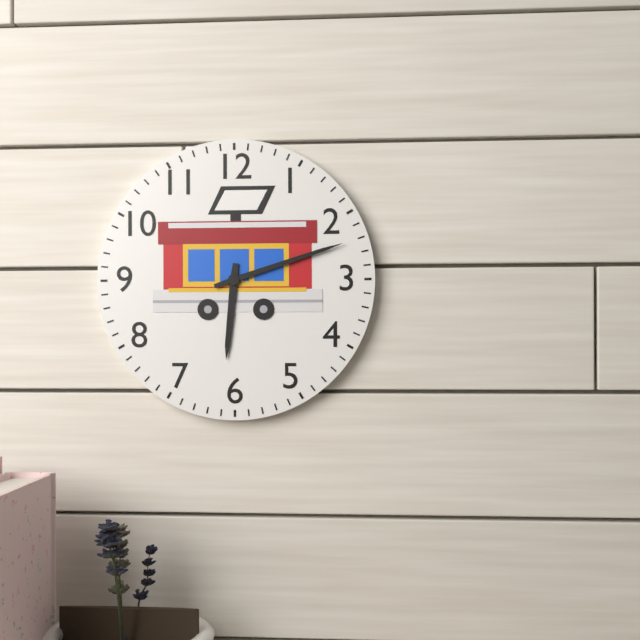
6:12
